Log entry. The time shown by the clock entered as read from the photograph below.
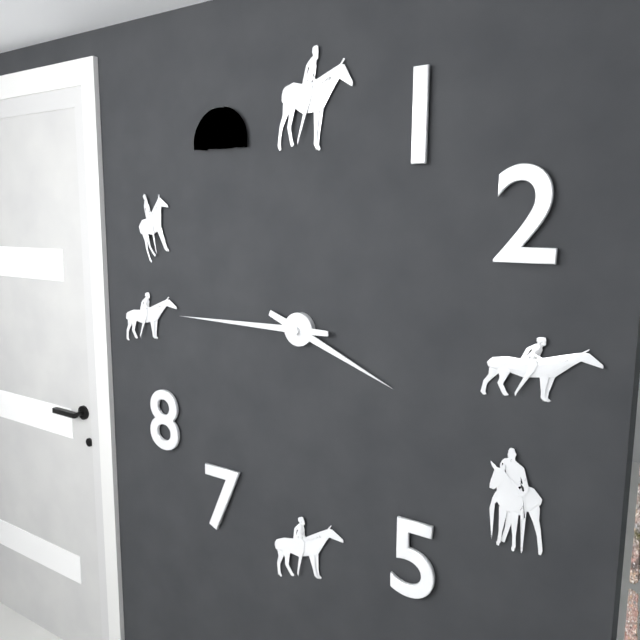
3:45
